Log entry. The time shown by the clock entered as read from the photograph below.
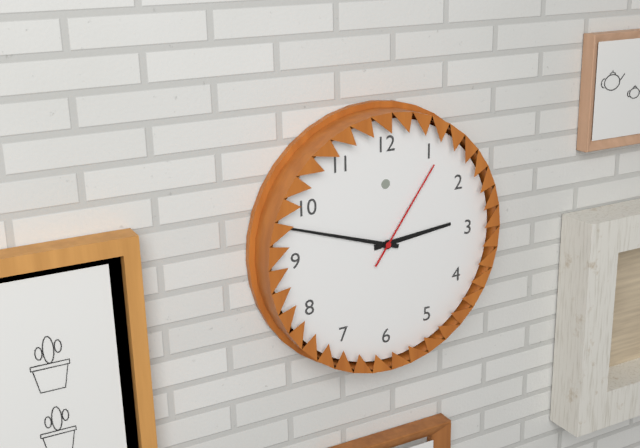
2:48:06
